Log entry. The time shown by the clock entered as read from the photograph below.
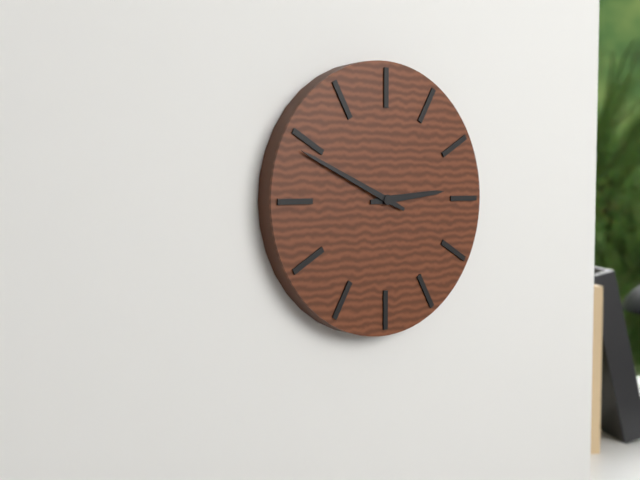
2:49
